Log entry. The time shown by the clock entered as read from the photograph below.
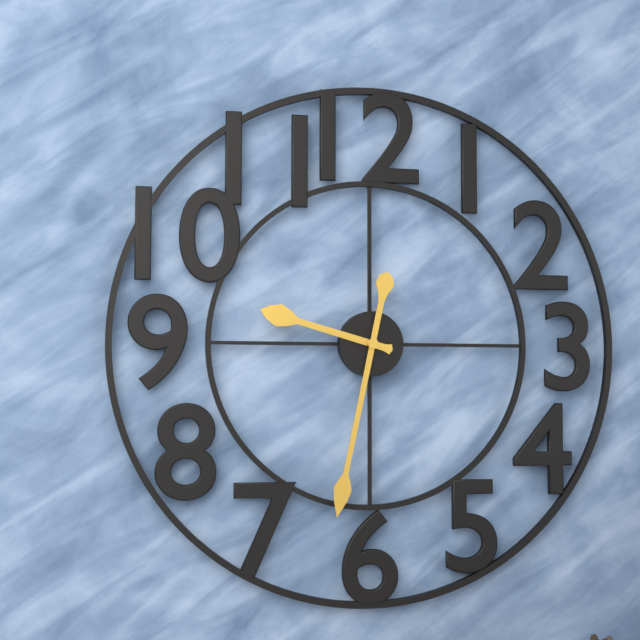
9:32
